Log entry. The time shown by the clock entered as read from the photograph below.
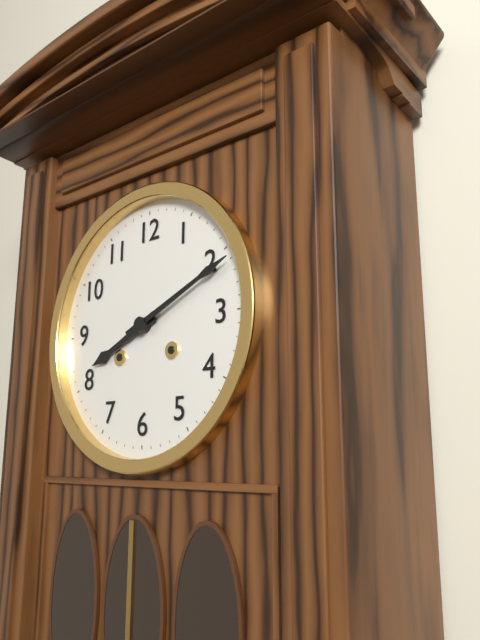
8:11
